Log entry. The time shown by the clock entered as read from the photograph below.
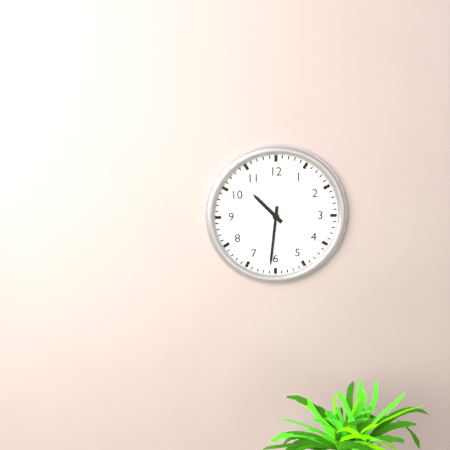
10:31
